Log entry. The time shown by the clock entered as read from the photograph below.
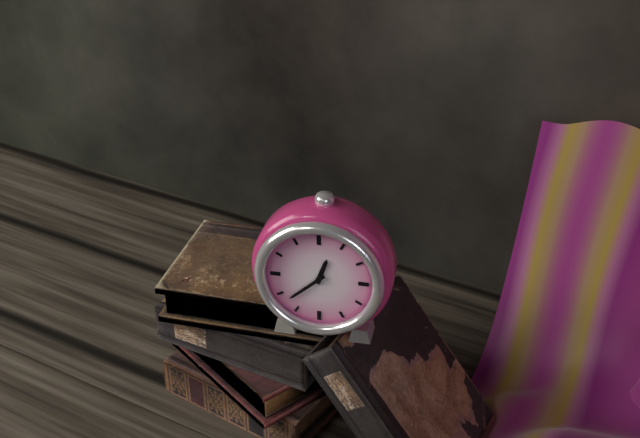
12:38
